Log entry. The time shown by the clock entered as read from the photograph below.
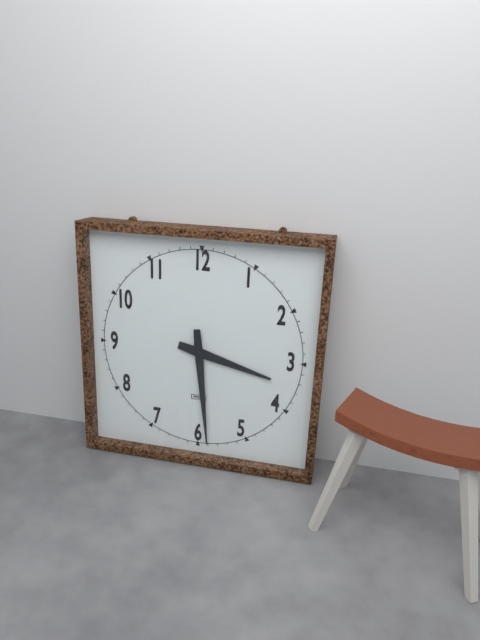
3:29
